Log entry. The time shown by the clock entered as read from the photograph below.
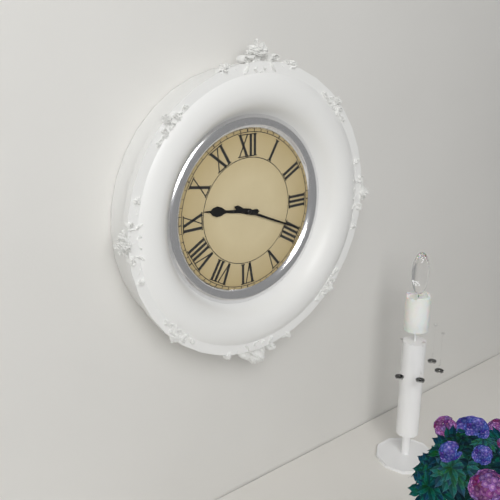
9:19
